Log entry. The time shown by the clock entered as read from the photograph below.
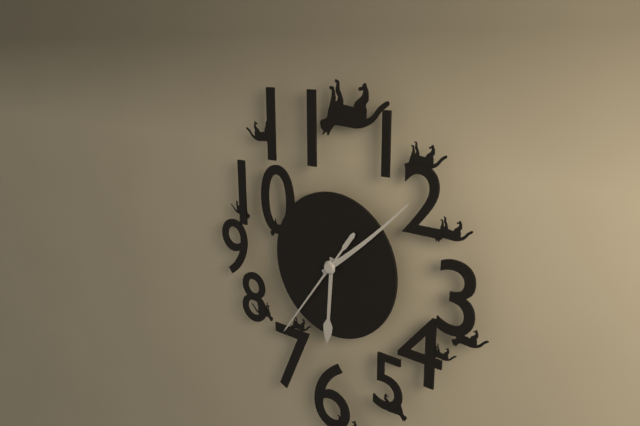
6:08:36
